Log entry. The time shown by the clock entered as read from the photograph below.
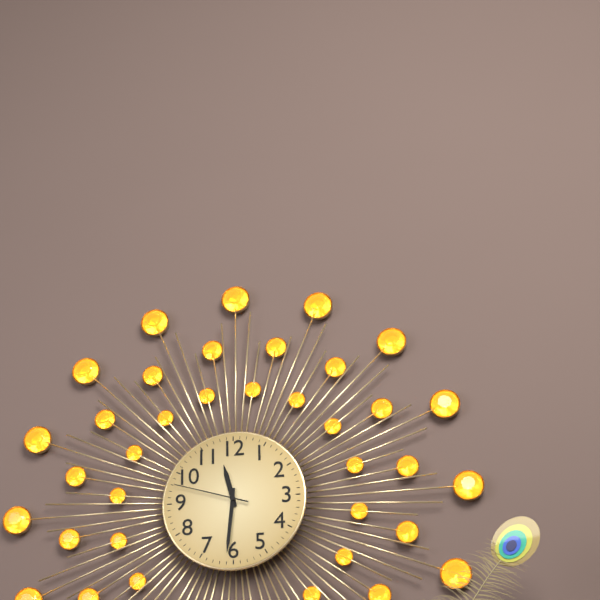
11:31:48
